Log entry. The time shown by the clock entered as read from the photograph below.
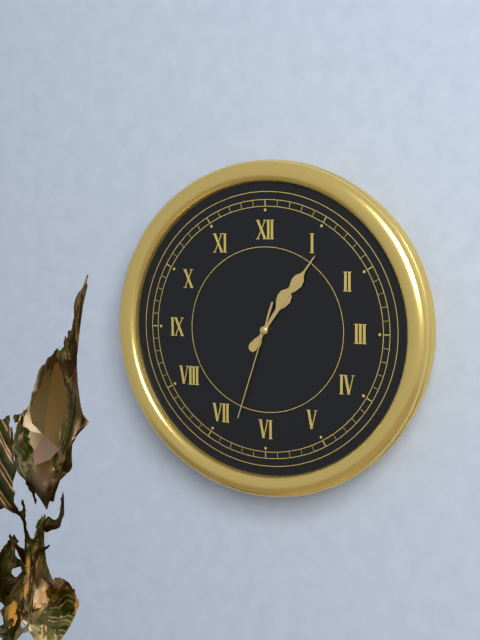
1:06:33
